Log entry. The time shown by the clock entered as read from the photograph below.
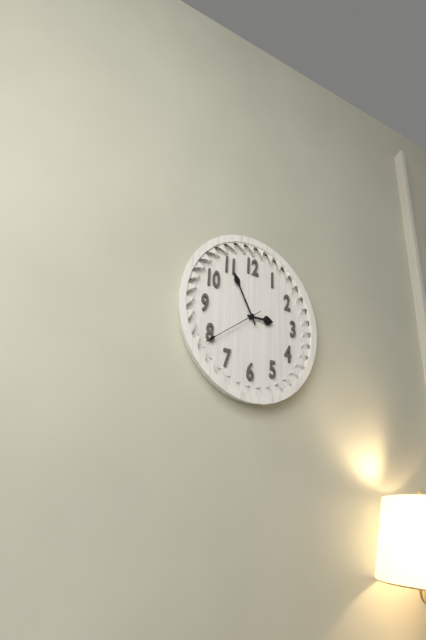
2:55:39
